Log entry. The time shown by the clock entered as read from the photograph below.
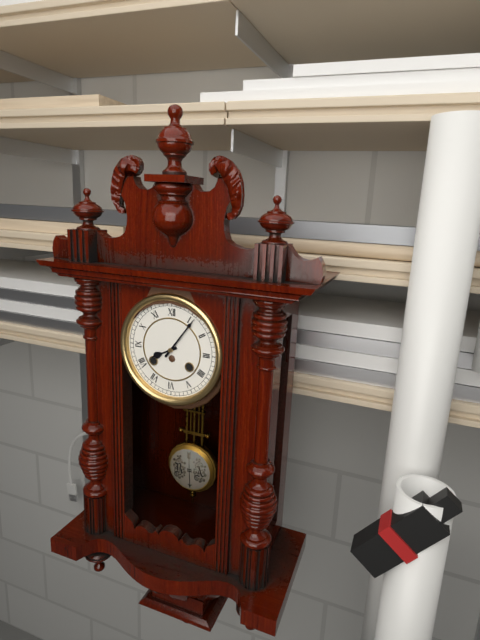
8:06
